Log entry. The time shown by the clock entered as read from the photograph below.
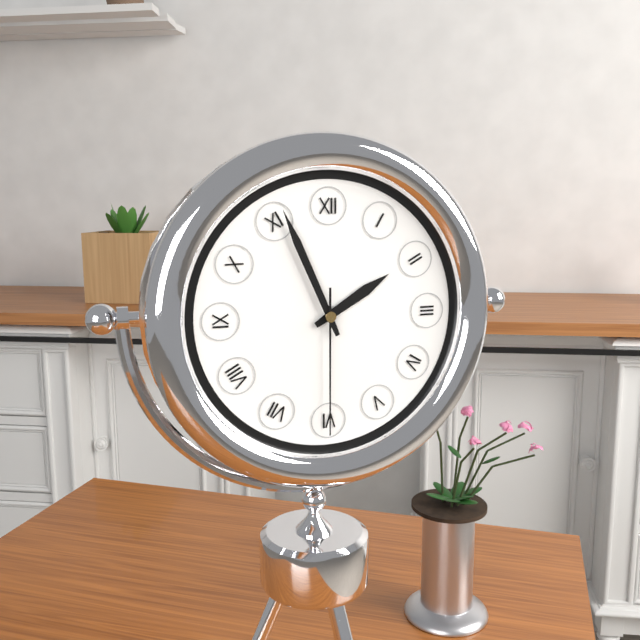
1:56:30
